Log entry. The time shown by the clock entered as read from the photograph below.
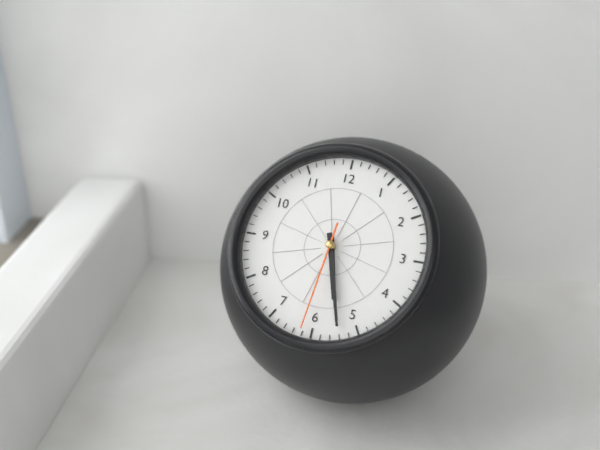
5:27:31
